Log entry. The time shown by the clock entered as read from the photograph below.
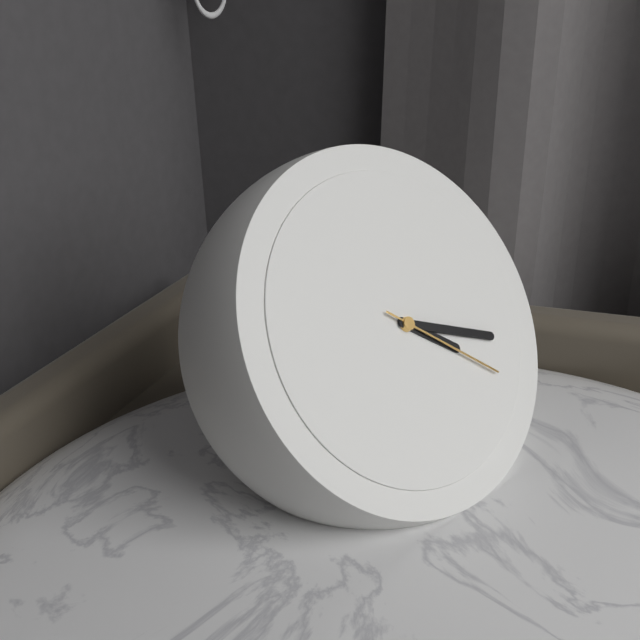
4:19:22
